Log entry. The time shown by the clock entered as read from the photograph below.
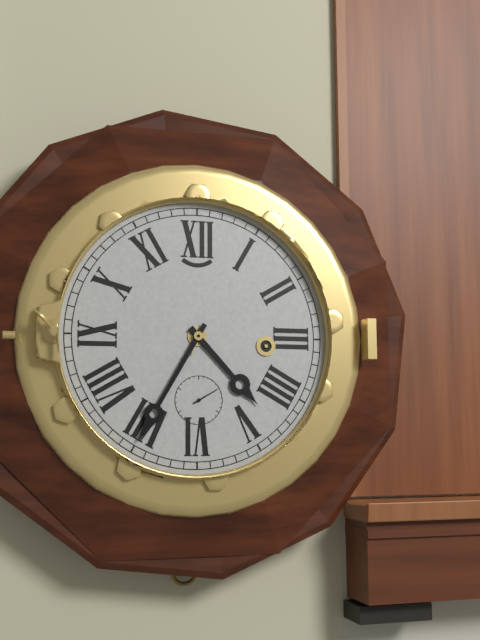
4:35
